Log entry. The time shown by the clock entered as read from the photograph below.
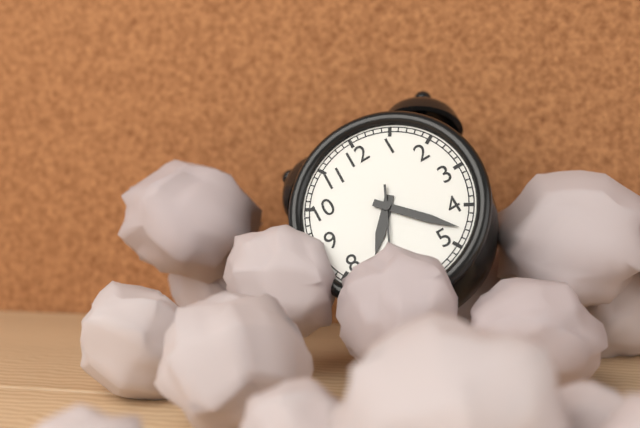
7:23
